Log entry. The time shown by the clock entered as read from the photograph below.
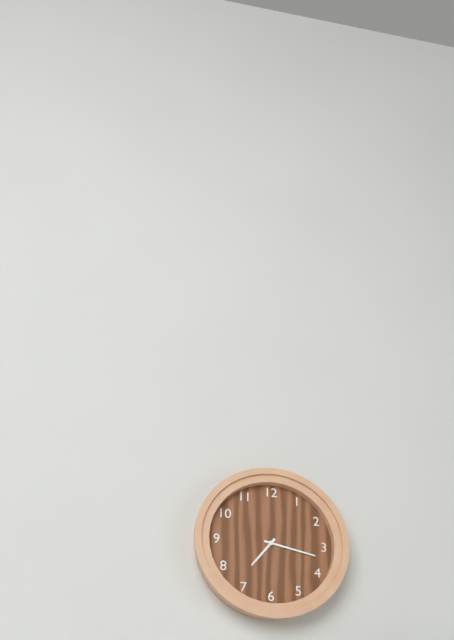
7:17
